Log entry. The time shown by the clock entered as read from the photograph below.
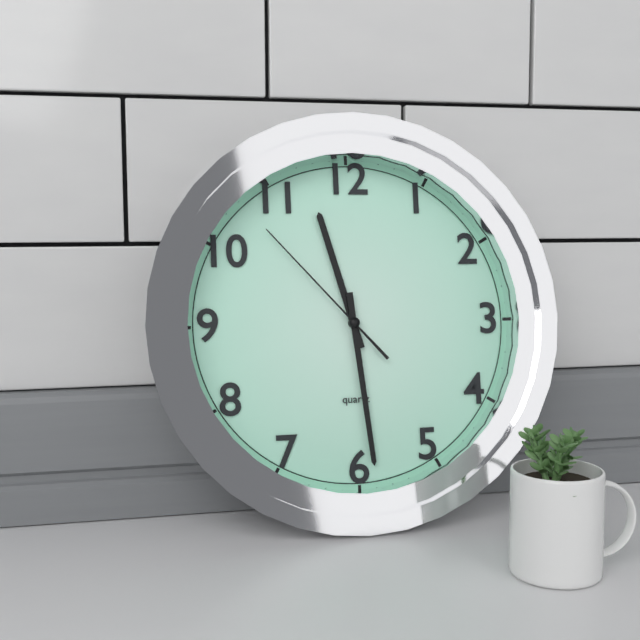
11:29:53
